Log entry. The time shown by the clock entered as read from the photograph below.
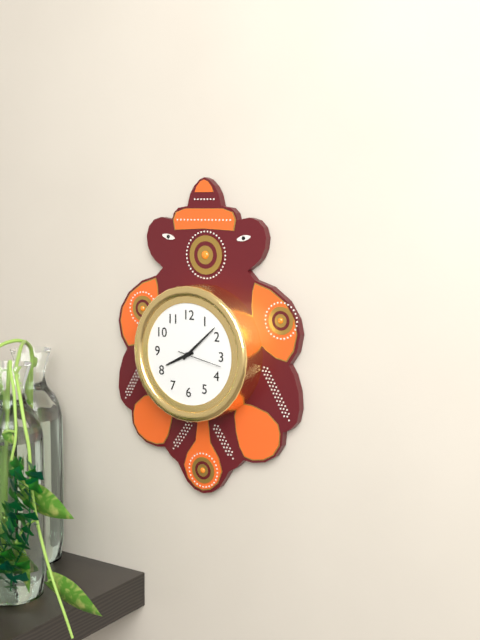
8:08
